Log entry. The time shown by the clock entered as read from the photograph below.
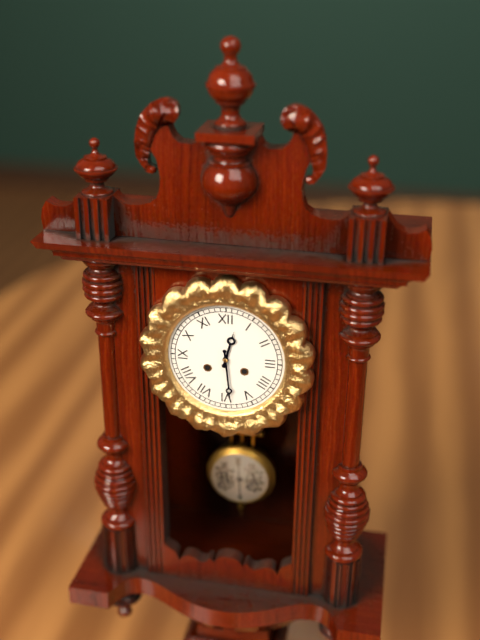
12:29
